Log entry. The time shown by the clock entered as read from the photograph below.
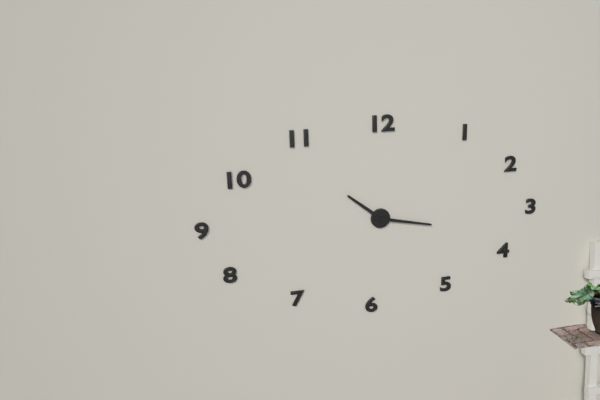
10:17
